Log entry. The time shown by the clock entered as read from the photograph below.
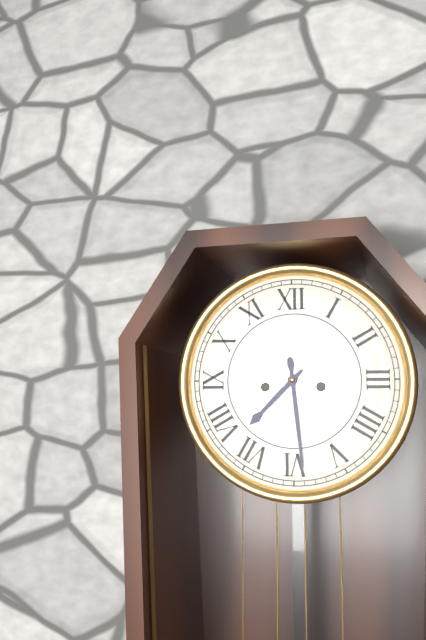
7:29
